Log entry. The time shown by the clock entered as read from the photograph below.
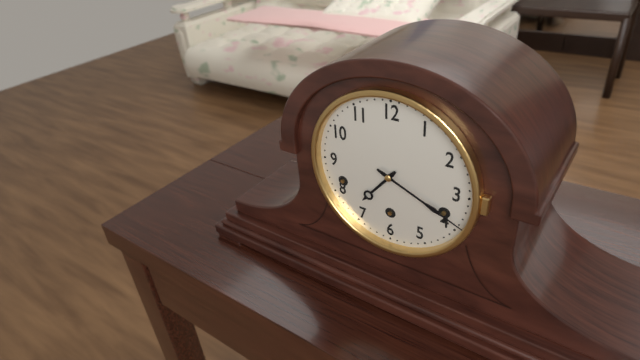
7:19
